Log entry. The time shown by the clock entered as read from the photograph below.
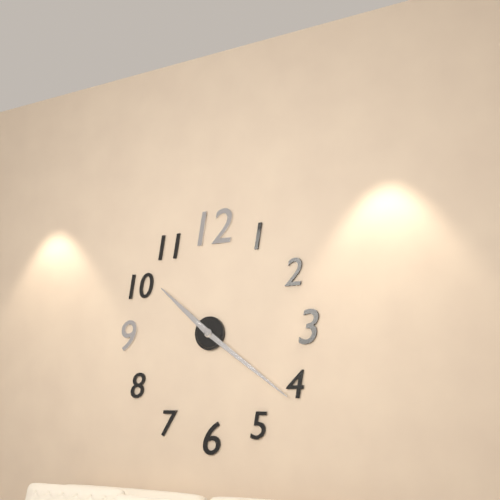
10:21
